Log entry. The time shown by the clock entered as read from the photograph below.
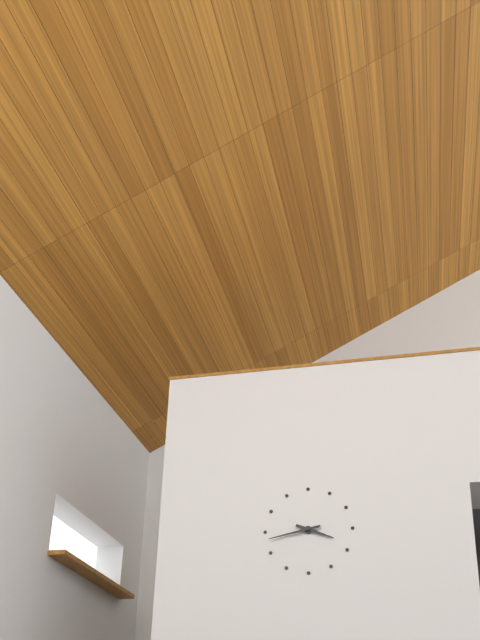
3:43
